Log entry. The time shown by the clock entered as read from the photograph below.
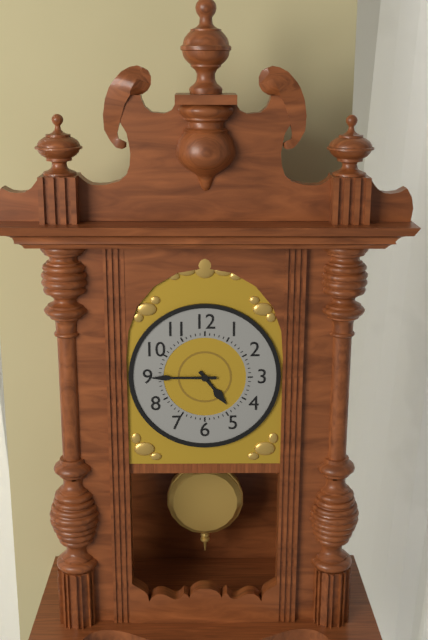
4:45
